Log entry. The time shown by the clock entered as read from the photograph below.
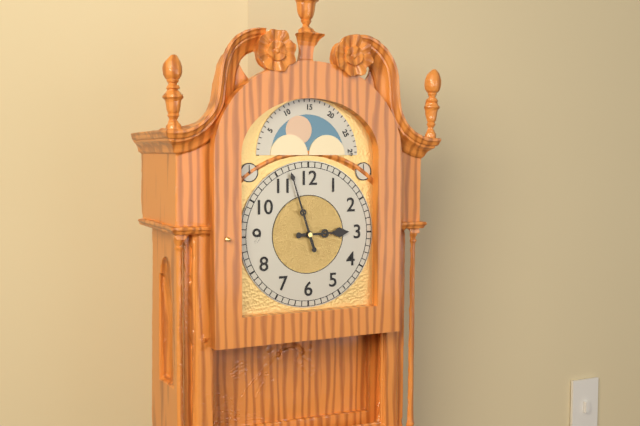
2:57
